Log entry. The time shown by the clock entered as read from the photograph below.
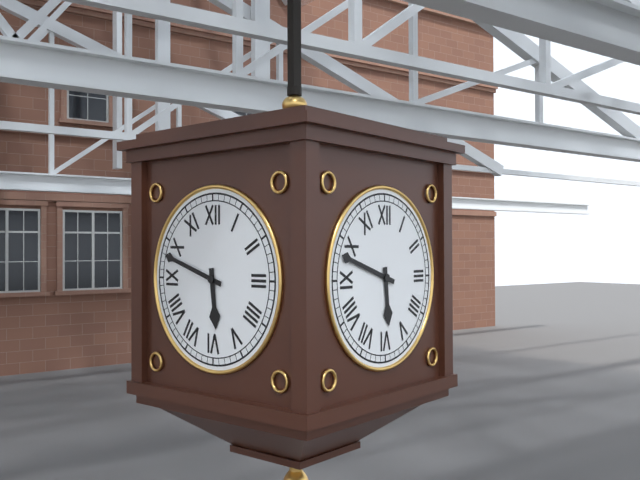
5:48
